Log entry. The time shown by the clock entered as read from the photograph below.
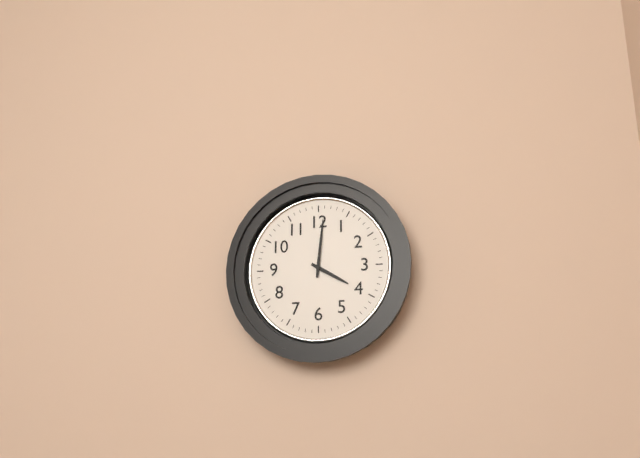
4:01
